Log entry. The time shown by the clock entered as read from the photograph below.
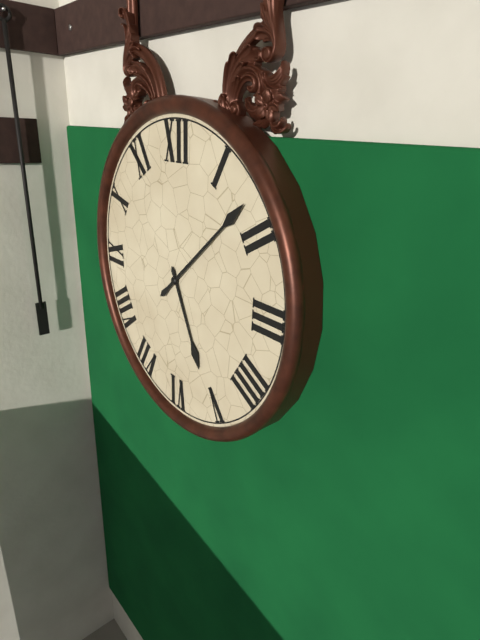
5:08
